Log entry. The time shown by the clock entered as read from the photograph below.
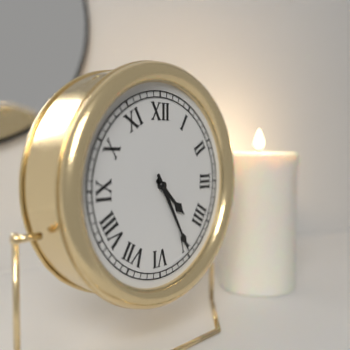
4:25
